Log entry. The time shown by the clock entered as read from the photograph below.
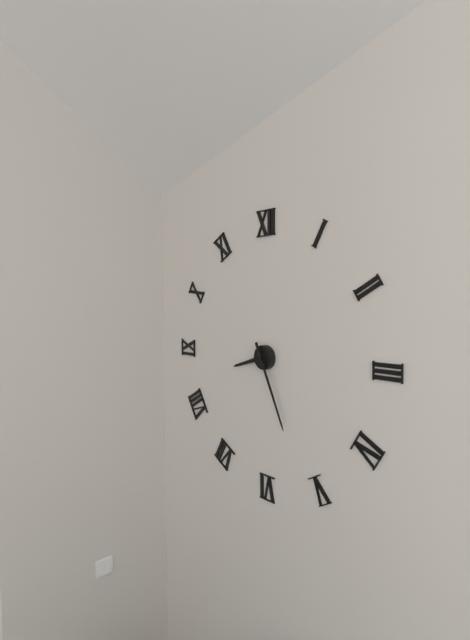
8:26
